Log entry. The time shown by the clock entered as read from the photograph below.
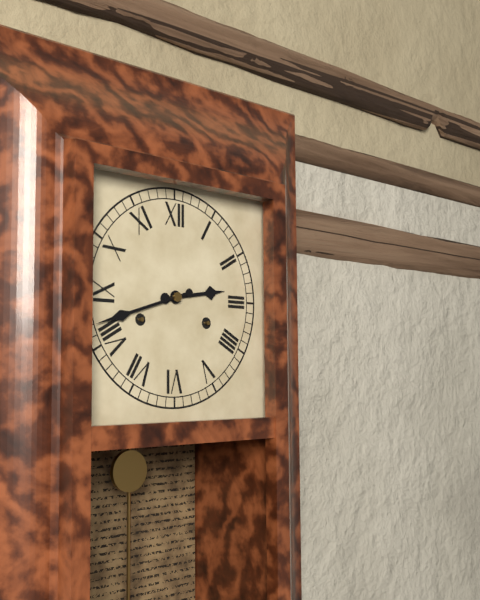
2:42
